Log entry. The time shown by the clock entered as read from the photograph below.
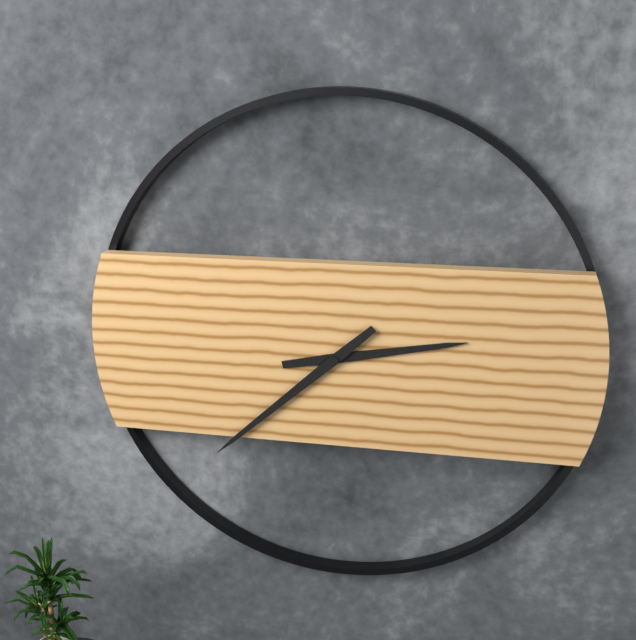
2:38
